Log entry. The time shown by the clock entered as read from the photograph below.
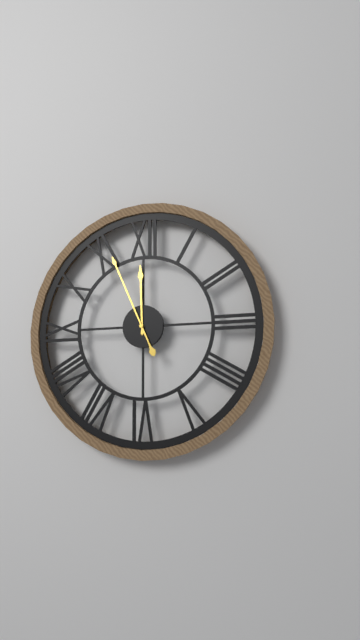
11:56
